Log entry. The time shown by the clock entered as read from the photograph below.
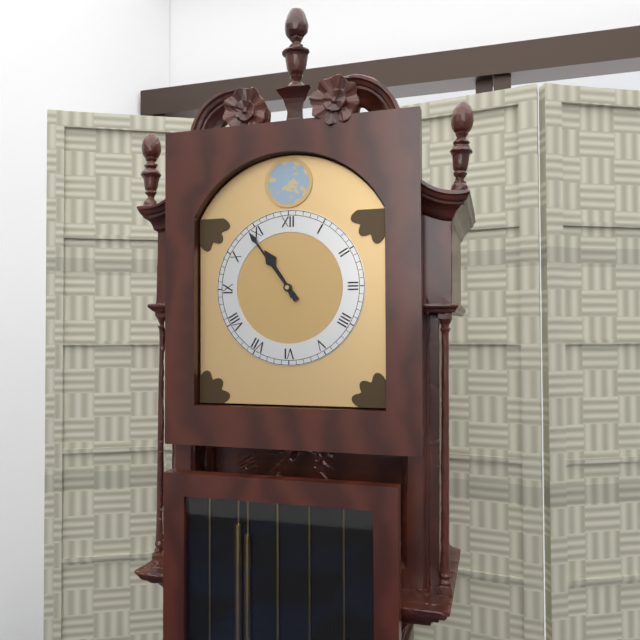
10:54
